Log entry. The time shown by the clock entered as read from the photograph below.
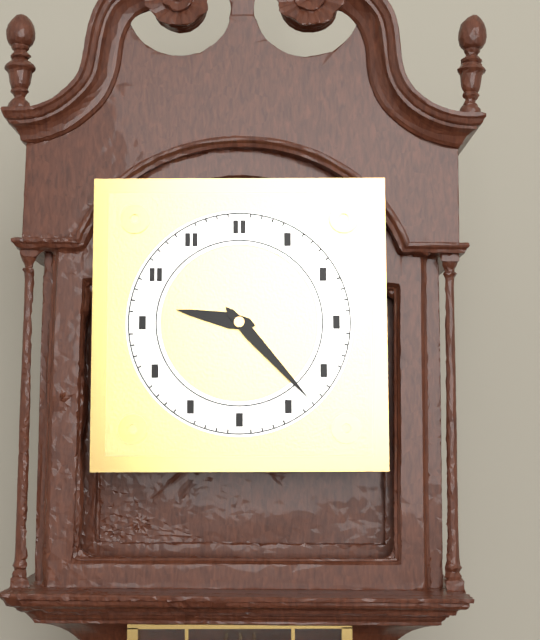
9:23
